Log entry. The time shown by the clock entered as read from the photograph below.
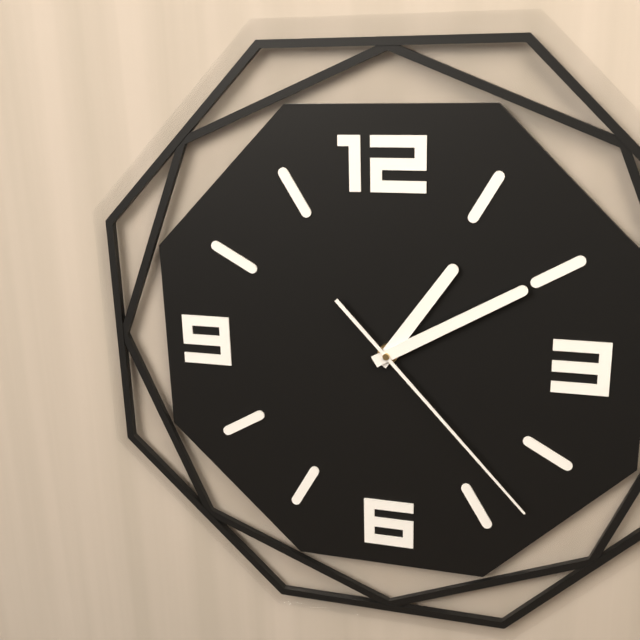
1:10:23
